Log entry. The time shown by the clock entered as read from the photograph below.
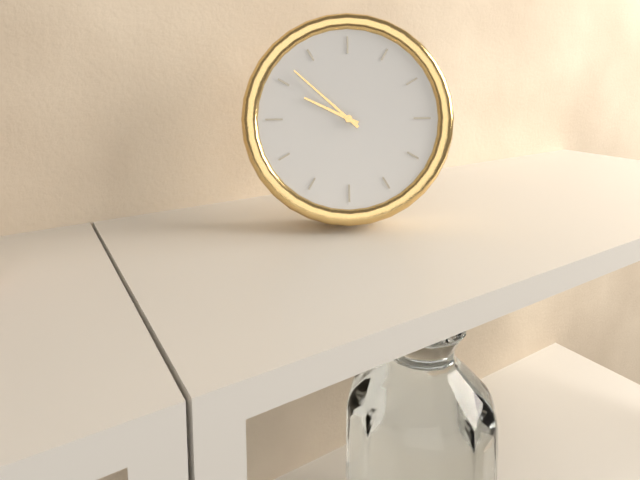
9:52
